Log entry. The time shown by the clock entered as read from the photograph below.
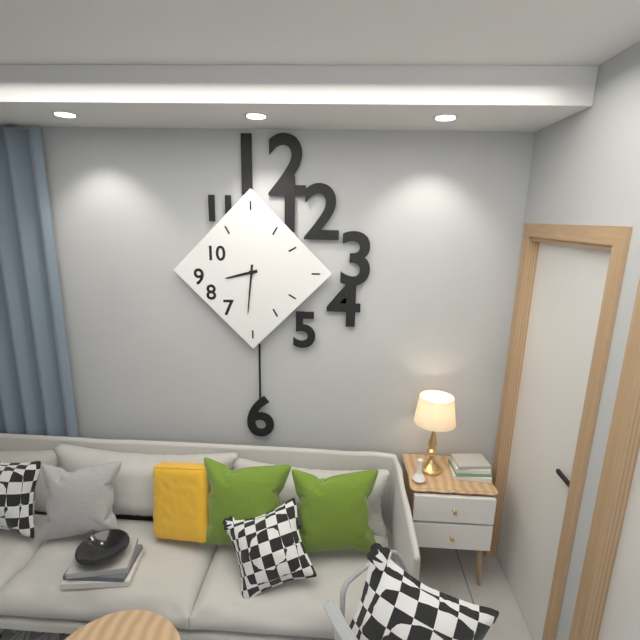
8:31
